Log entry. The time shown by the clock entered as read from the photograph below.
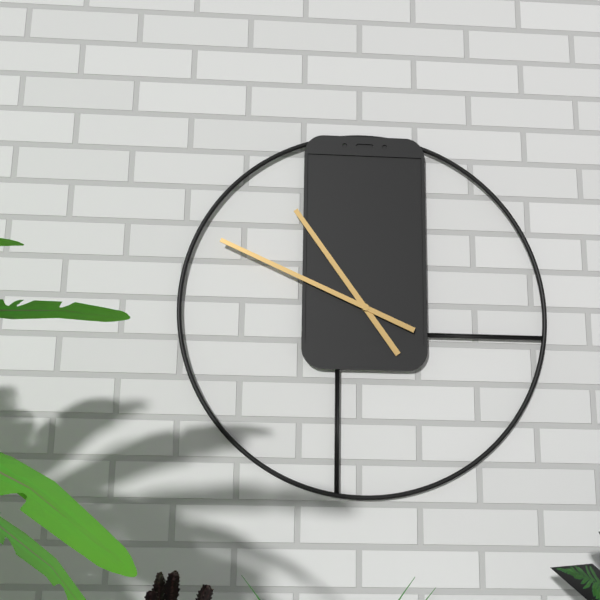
10:49
